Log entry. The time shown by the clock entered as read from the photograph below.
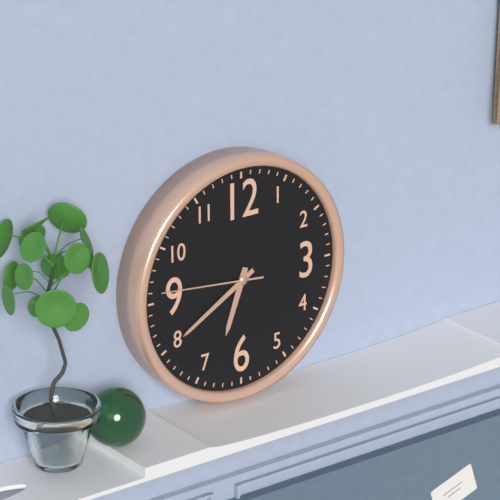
6:40:46
